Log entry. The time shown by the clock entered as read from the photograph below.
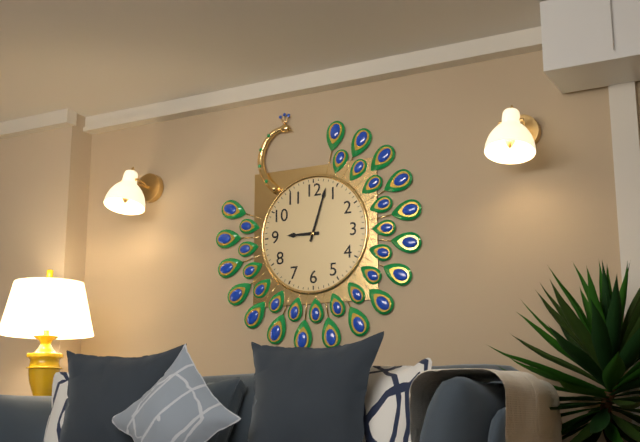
9:03
